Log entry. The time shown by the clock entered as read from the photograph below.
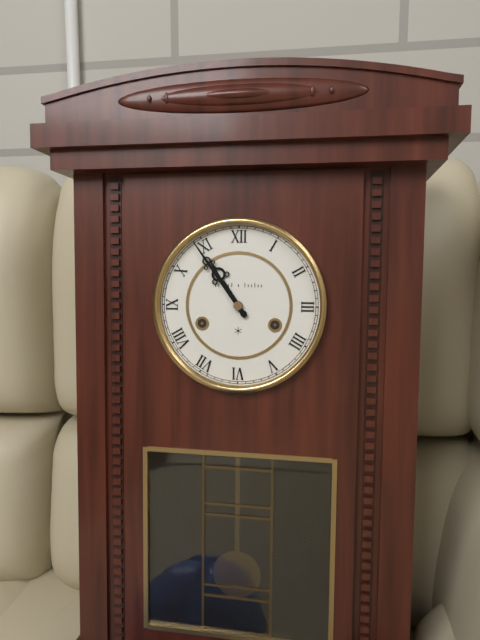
10:54
